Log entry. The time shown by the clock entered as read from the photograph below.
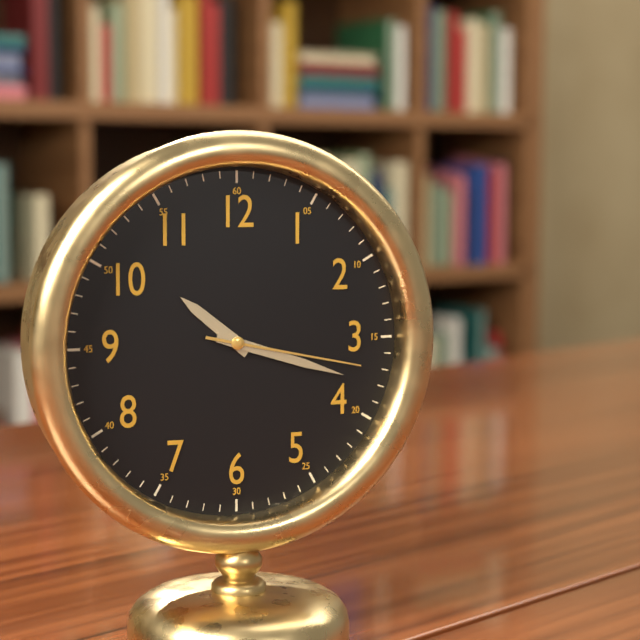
10:18:17
